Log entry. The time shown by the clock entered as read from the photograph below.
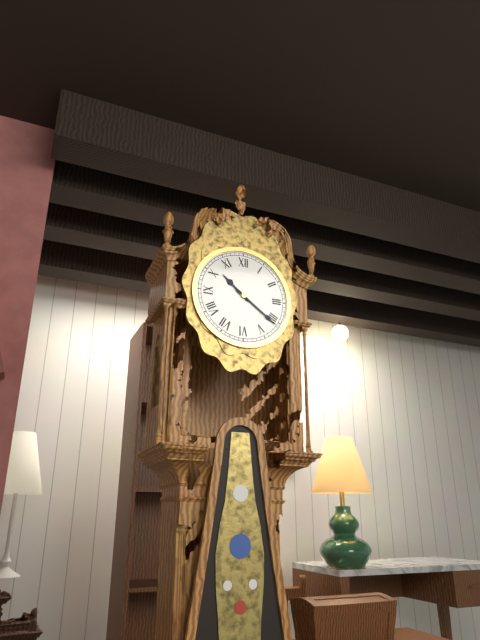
10:21
